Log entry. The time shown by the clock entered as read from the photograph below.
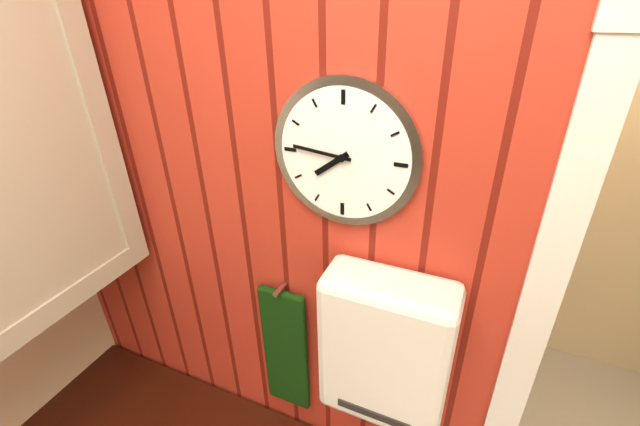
7:46
